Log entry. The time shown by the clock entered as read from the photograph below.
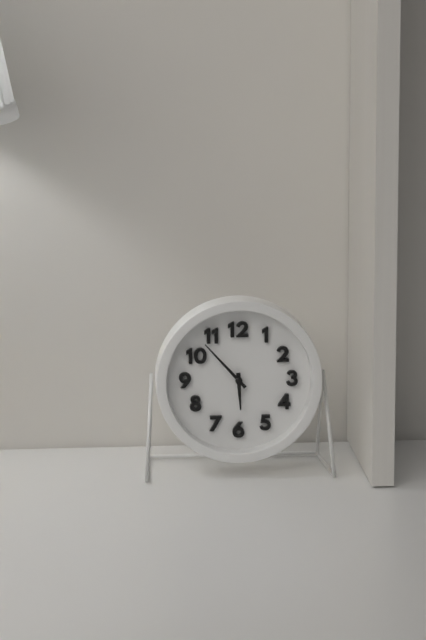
5:53
